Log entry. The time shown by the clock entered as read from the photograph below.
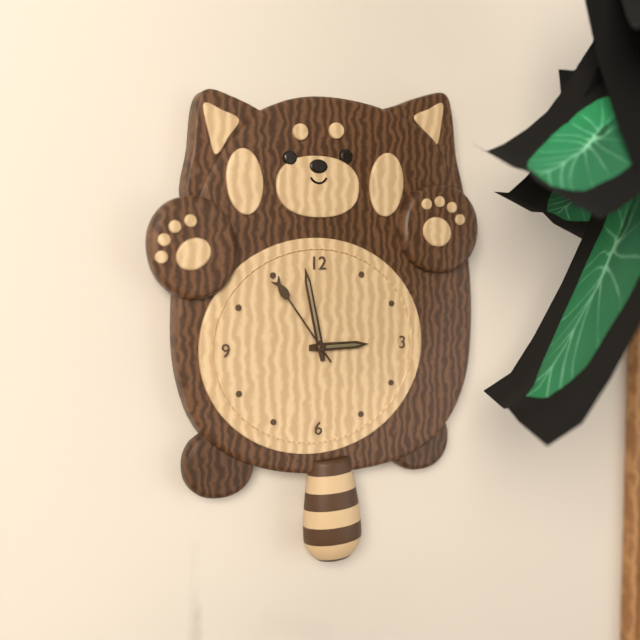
2:58:54
